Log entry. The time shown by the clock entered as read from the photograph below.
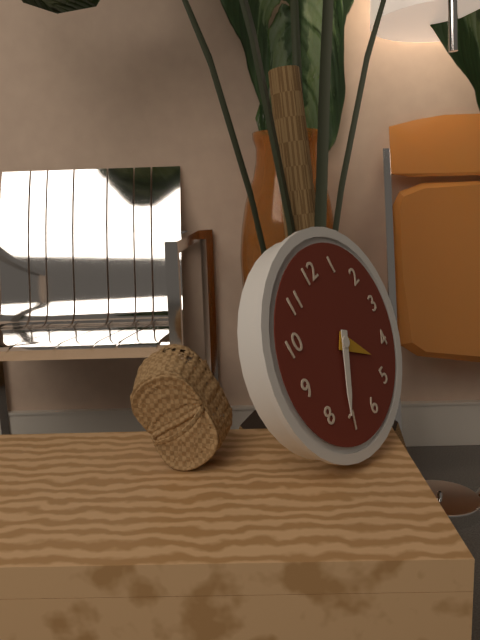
4:36
